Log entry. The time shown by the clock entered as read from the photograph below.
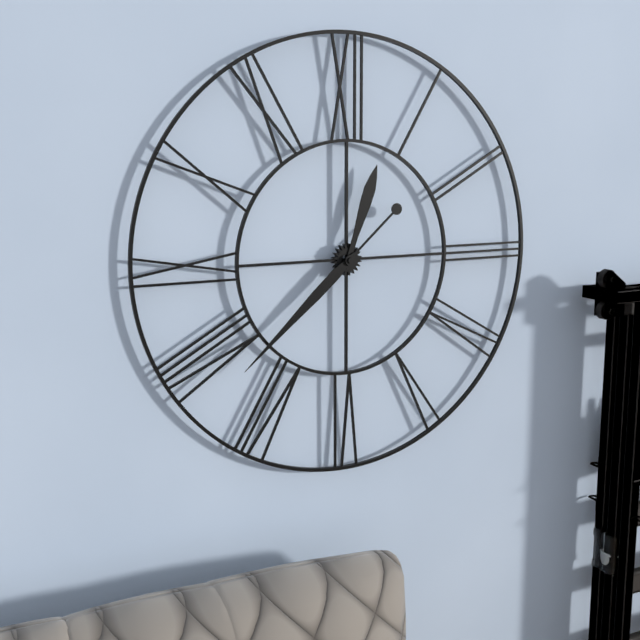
12:38
